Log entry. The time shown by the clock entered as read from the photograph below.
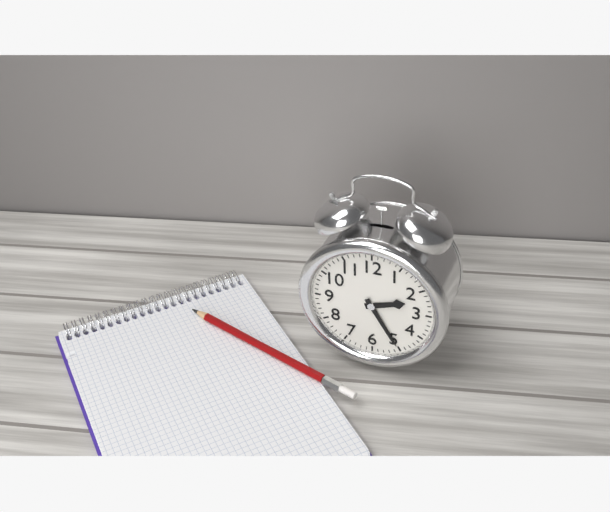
2:25
